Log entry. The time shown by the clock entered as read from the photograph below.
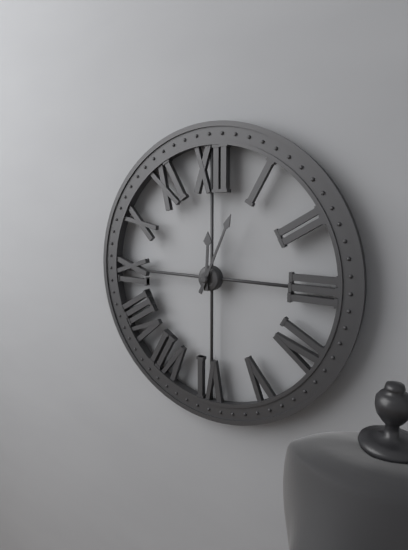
12:04
